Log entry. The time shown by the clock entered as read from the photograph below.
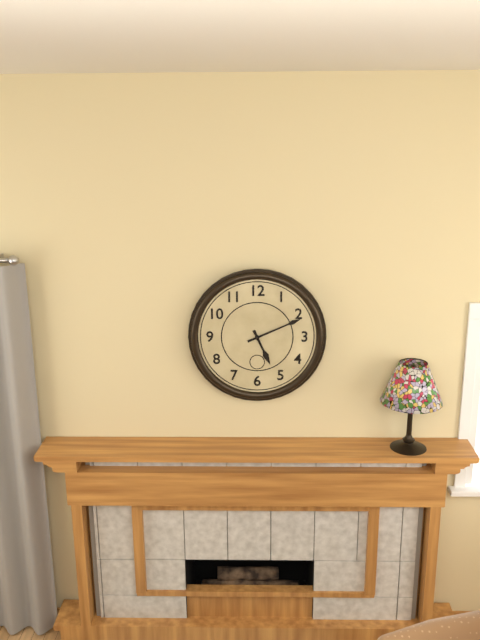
5:11
